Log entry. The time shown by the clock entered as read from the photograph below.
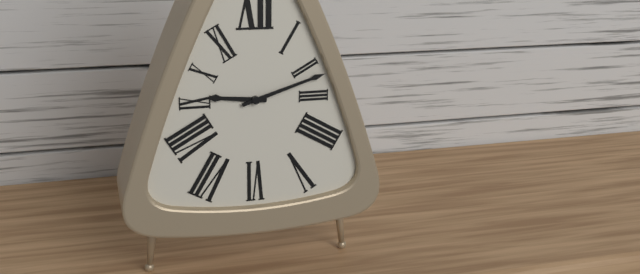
9:12
